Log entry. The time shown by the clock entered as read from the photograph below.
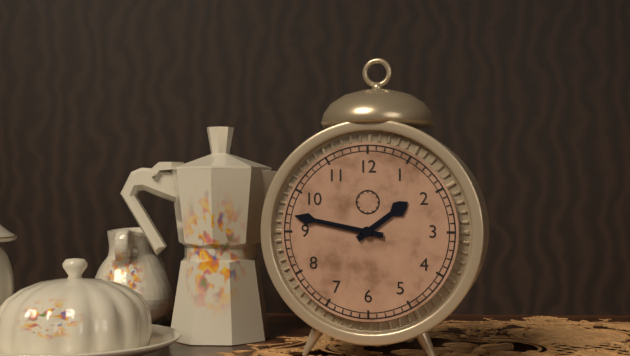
1:47
